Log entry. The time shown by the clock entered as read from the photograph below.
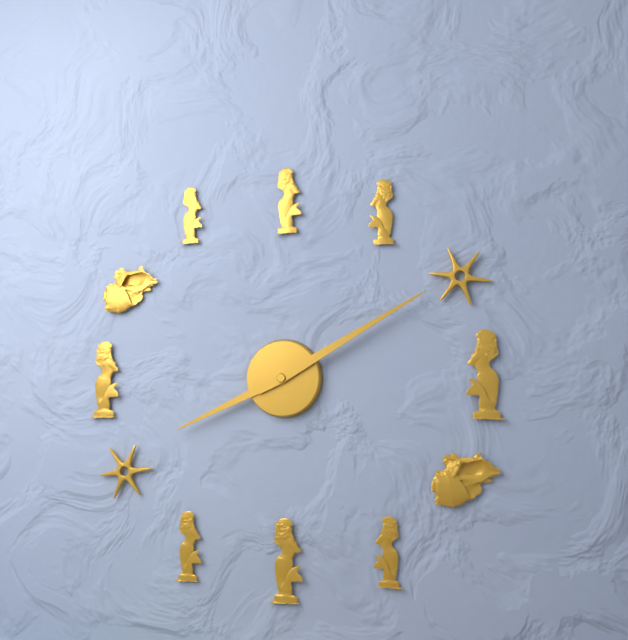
8:10
